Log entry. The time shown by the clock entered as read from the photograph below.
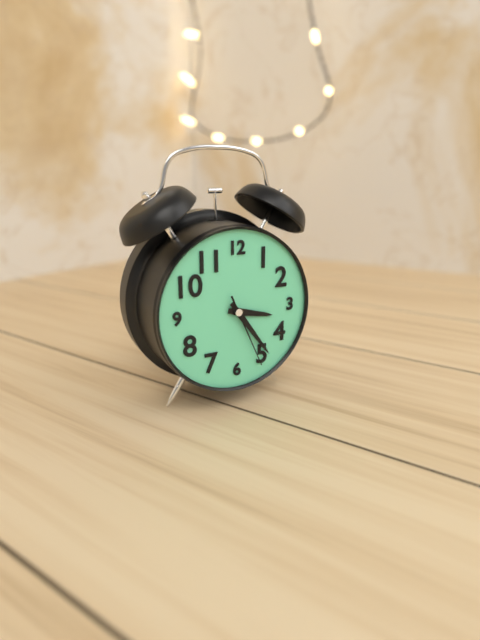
3:24:26
